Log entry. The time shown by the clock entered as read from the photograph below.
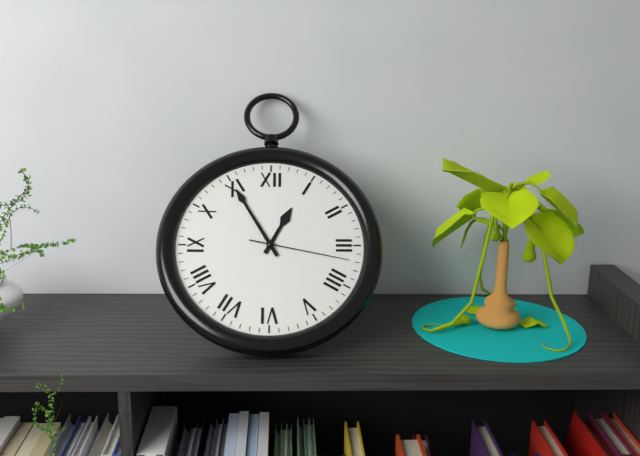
12:55:17
